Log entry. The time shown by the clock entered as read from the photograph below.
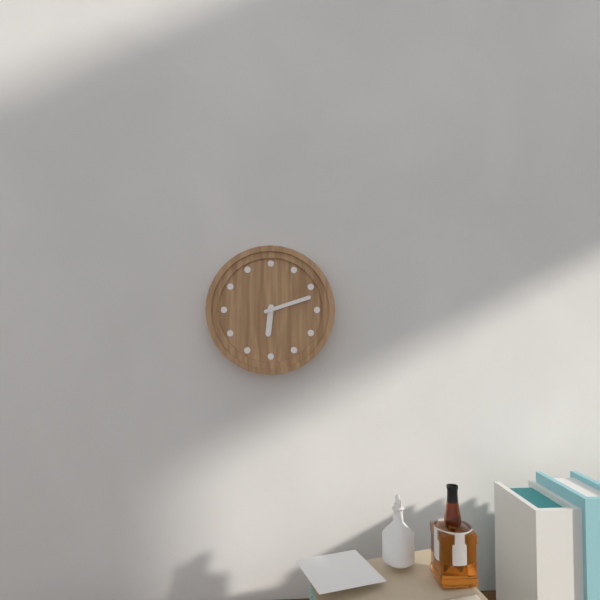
6:12
